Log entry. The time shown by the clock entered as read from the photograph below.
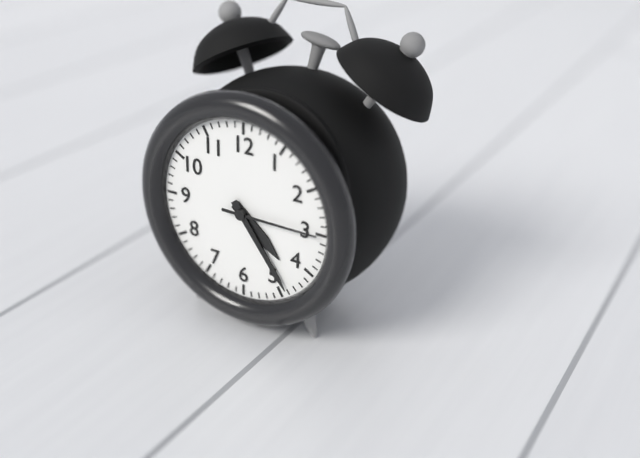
4:24:15
